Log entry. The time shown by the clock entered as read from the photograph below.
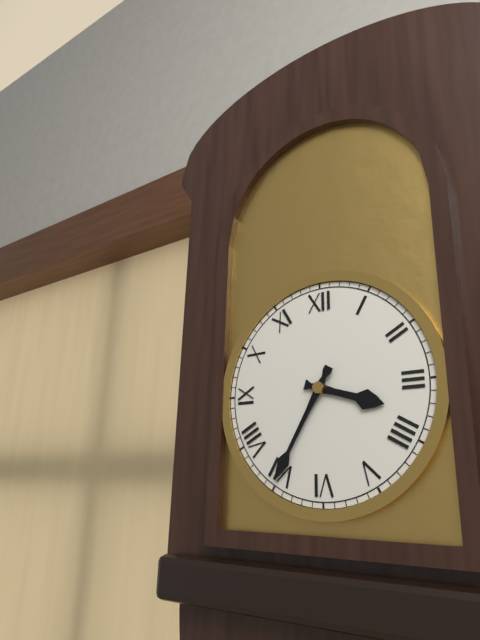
3:35
